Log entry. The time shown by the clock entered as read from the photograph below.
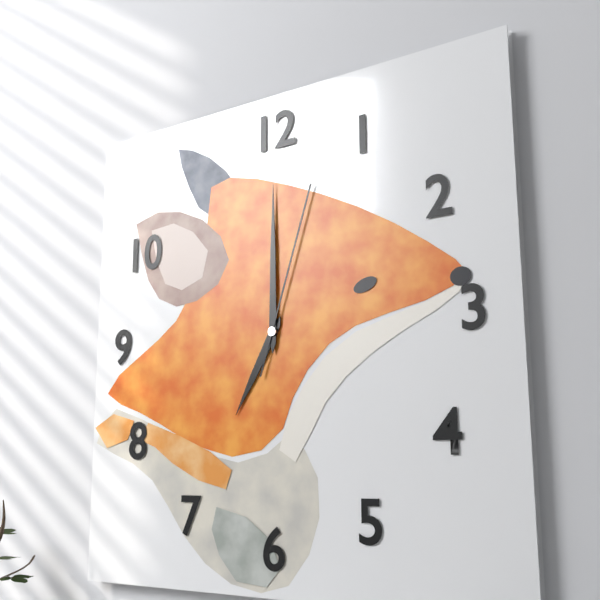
7:00:03
